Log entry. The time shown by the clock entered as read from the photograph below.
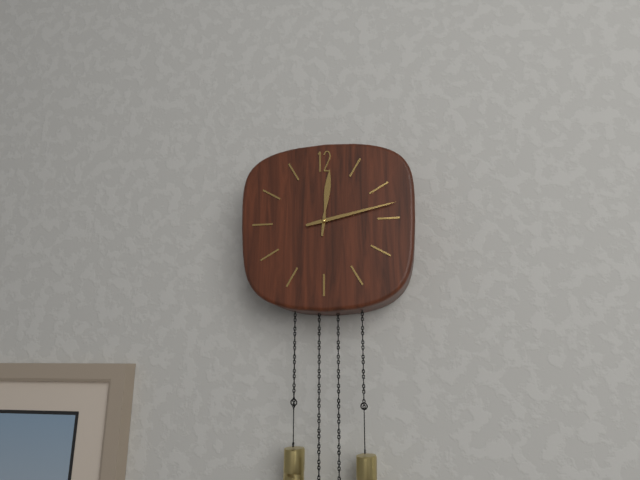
12:13
